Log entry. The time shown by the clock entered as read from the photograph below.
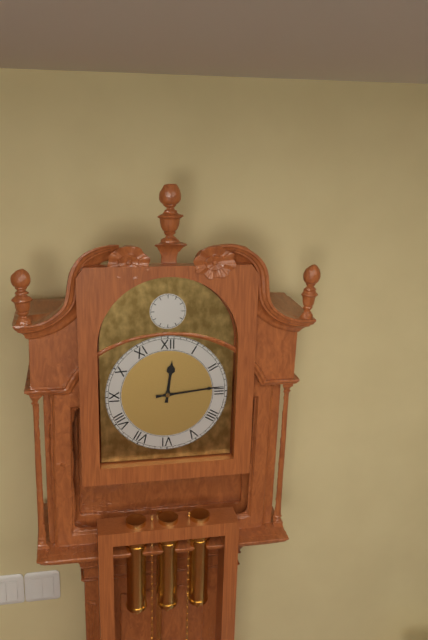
12:14
